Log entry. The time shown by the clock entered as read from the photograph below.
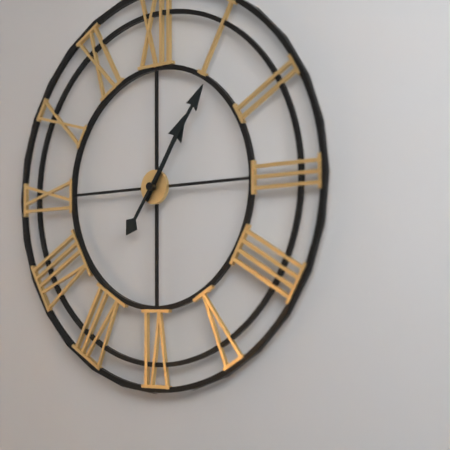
1:06
